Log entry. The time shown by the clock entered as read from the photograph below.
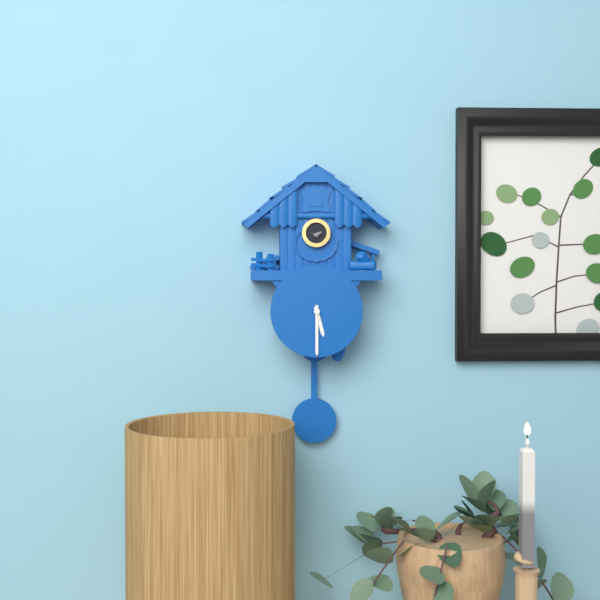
5:30
